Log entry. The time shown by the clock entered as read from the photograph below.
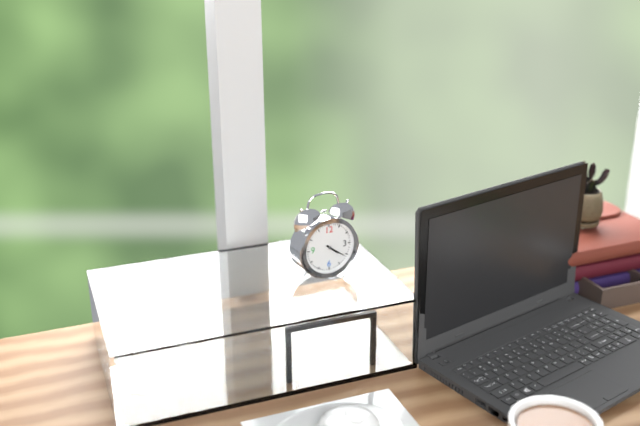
4:21
